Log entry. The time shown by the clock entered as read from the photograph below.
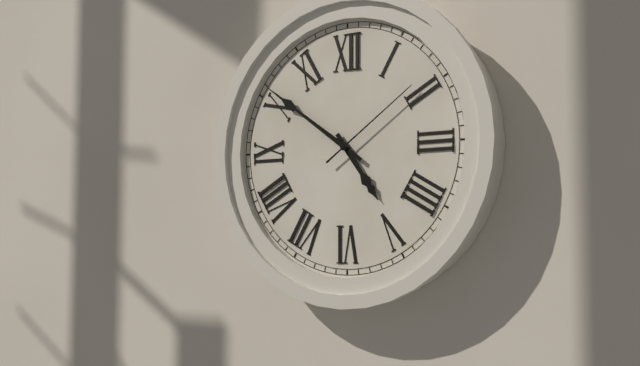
4:51:09
